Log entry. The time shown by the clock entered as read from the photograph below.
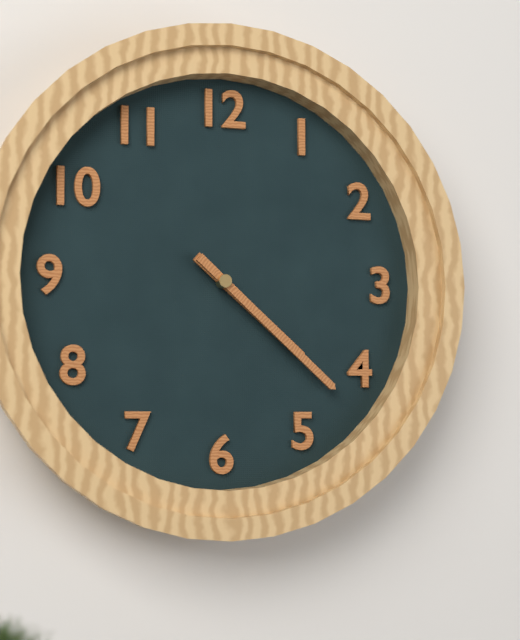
4:22
